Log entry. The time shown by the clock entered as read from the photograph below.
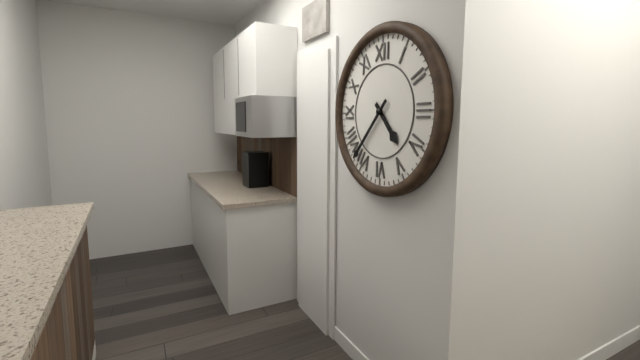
4:37
